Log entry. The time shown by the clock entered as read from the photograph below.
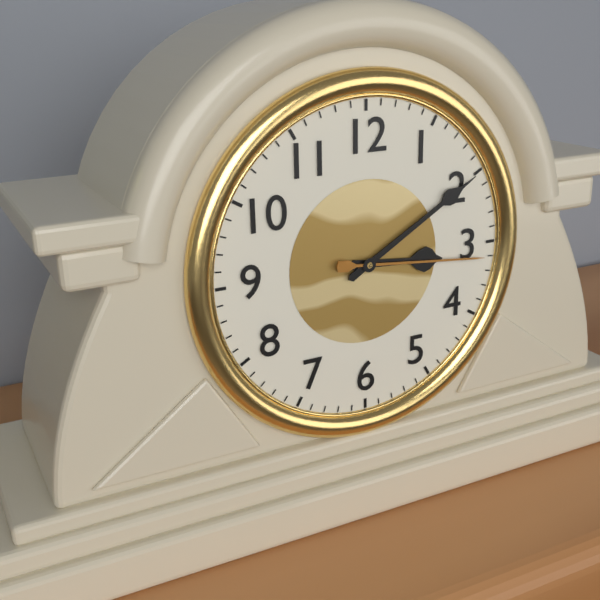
3:10:16
